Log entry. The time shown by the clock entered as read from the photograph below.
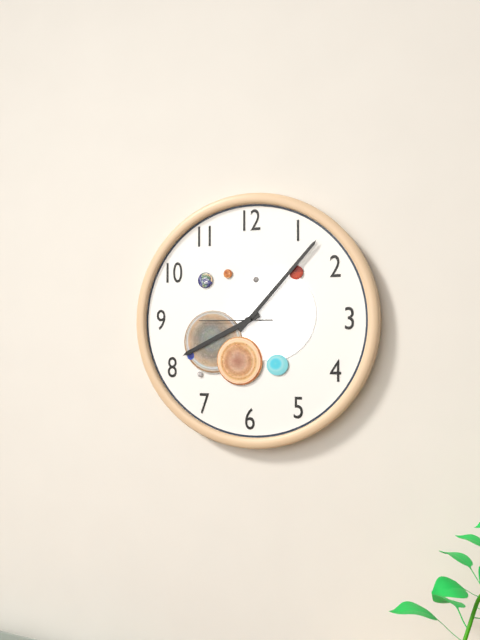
8:07:45
